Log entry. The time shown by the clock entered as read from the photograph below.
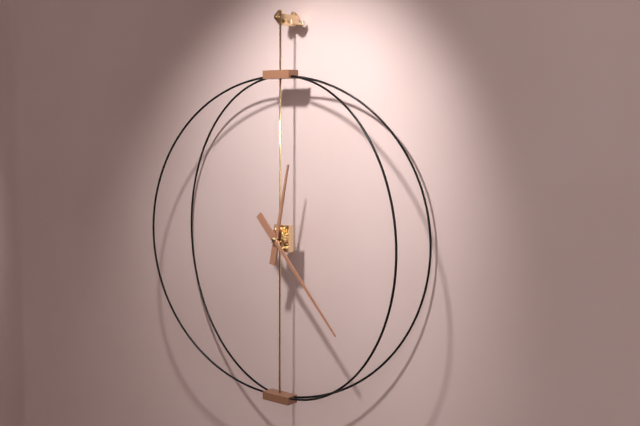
12:23
